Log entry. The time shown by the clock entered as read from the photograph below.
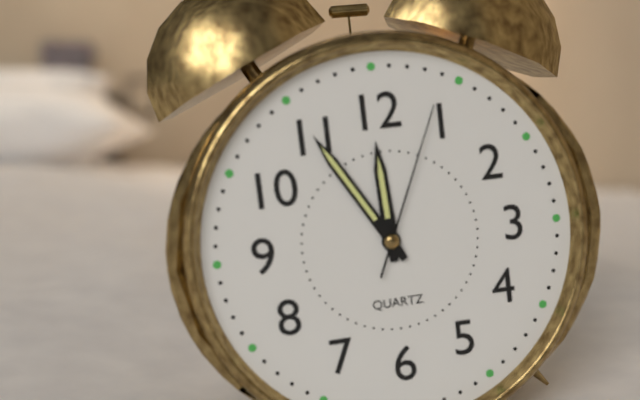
11:55:04
